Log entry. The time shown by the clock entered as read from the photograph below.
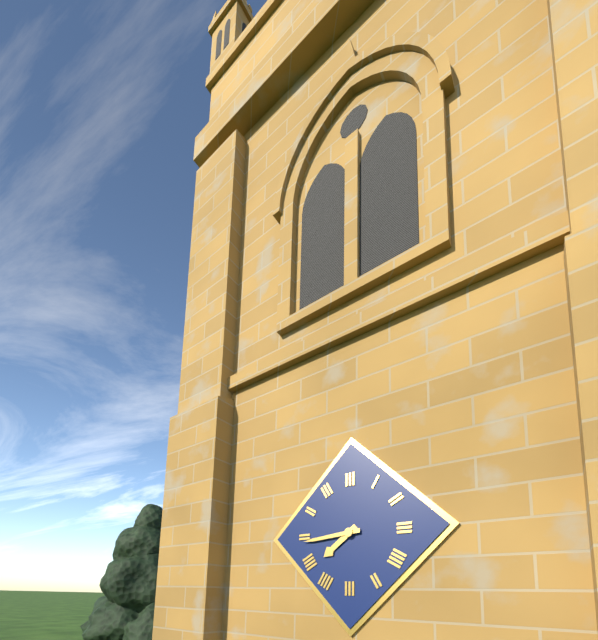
7:44
